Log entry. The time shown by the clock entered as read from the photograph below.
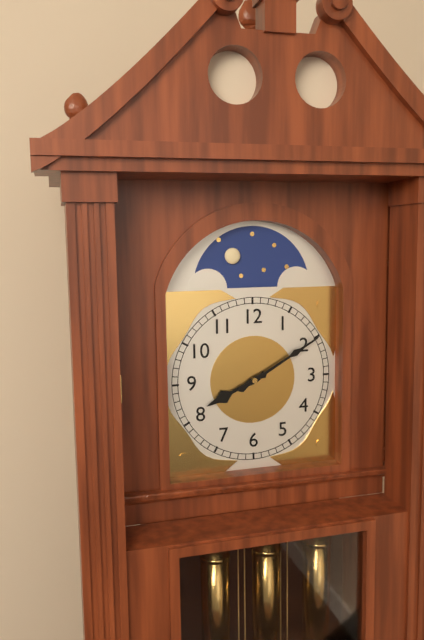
8:10
